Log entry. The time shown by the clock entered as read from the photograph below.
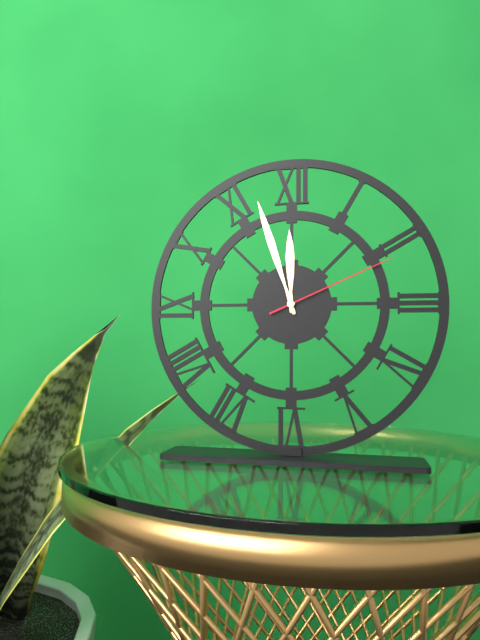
11:57:11
